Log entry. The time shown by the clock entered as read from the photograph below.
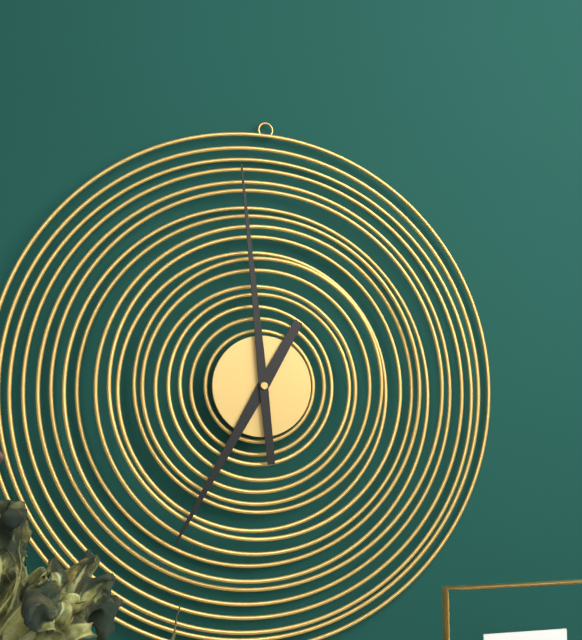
6:59
